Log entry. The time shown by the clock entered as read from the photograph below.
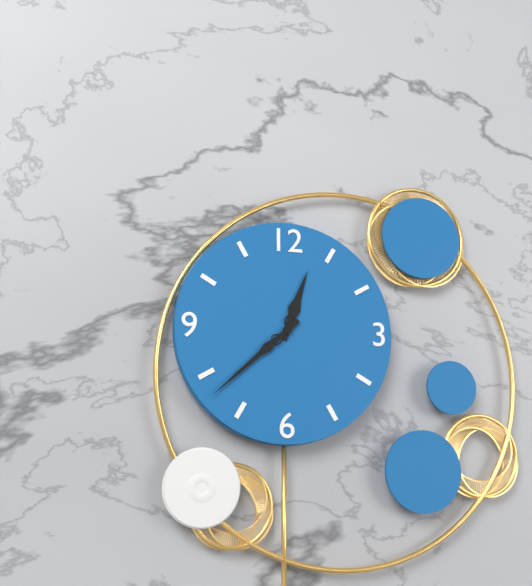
12:38
